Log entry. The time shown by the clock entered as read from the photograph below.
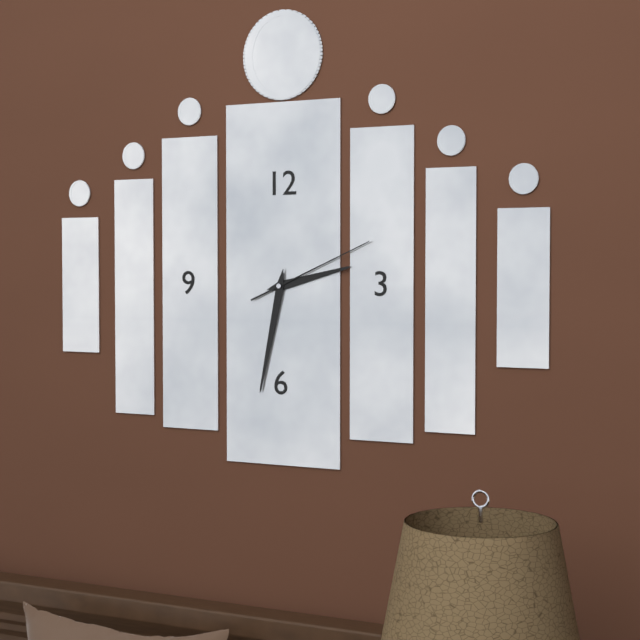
2:32:11
